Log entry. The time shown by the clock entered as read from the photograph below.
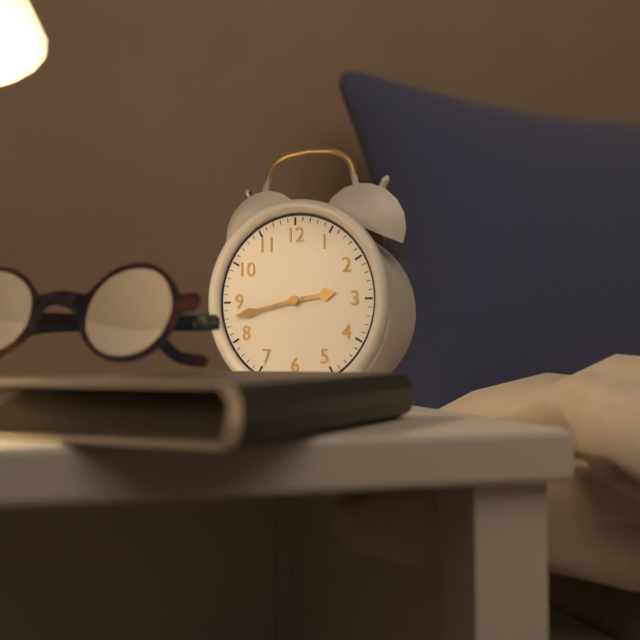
2:43
